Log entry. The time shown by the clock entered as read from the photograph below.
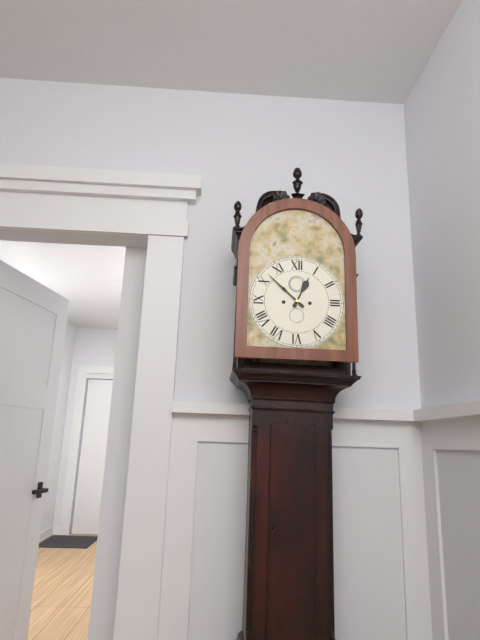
12:52
